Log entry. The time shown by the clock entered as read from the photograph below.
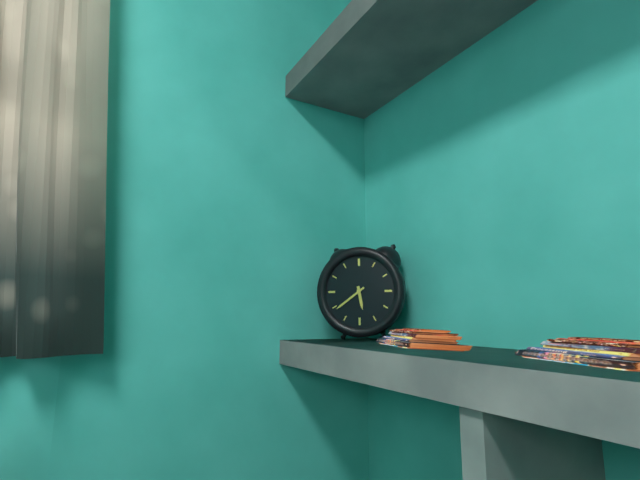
5:39
